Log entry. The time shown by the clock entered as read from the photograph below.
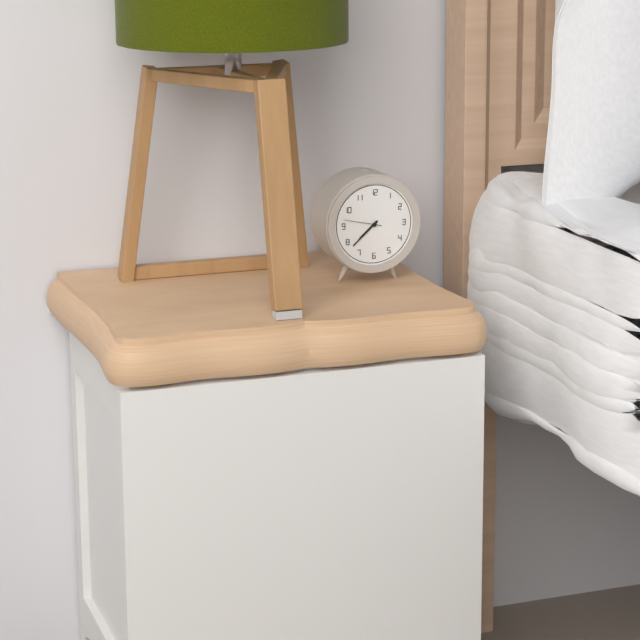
7:38
